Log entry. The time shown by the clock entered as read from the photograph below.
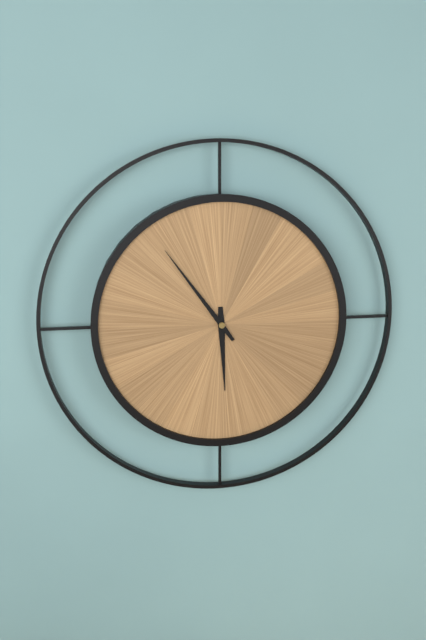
5:54
